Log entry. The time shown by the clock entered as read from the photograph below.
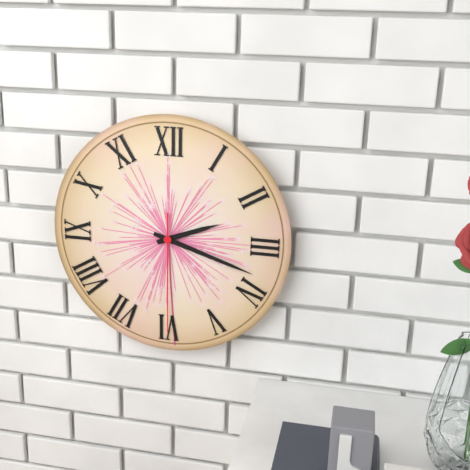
2:18:30
